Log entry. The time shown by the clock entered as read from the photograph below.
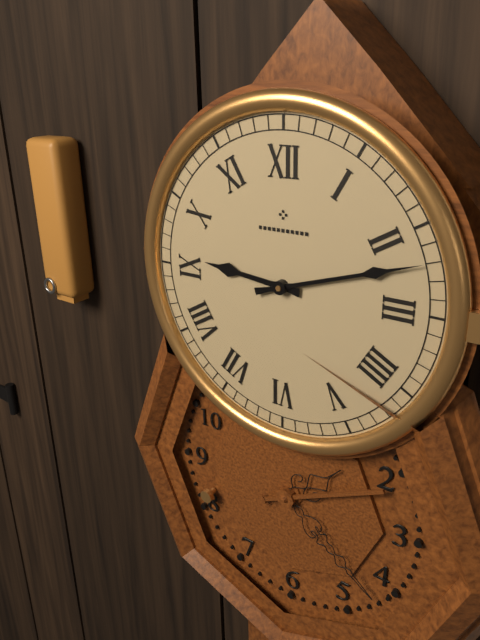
9:12
